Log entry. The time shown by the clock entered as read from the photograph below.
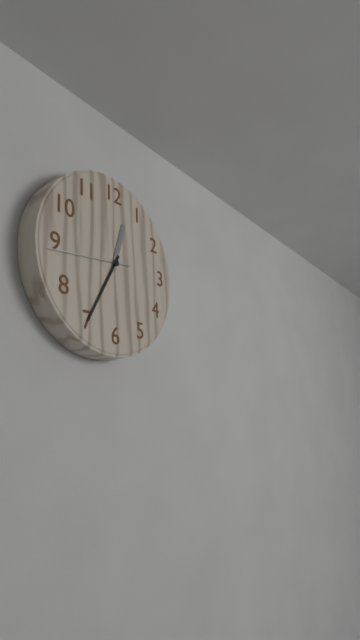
12:35:44
